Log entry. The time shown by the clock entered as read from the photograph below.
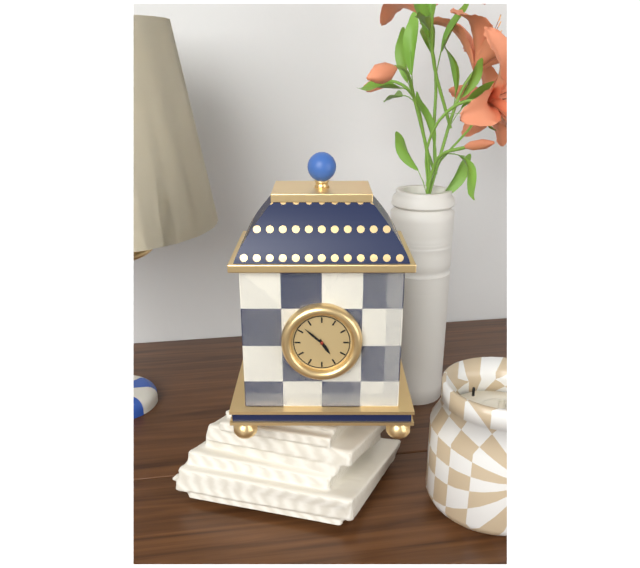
4:52
